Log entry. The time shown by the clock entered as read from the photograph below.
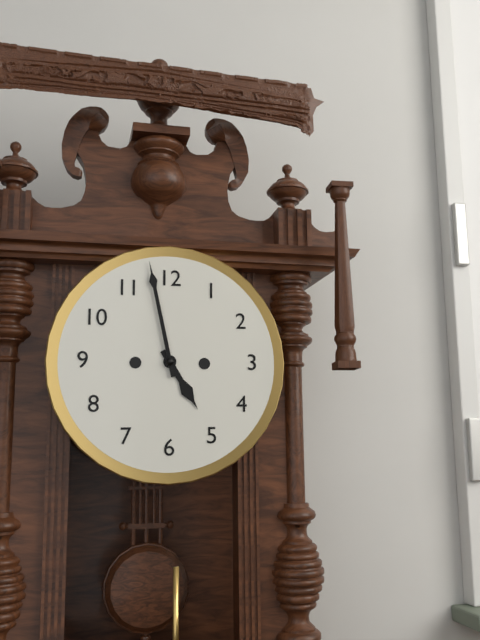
4:58
